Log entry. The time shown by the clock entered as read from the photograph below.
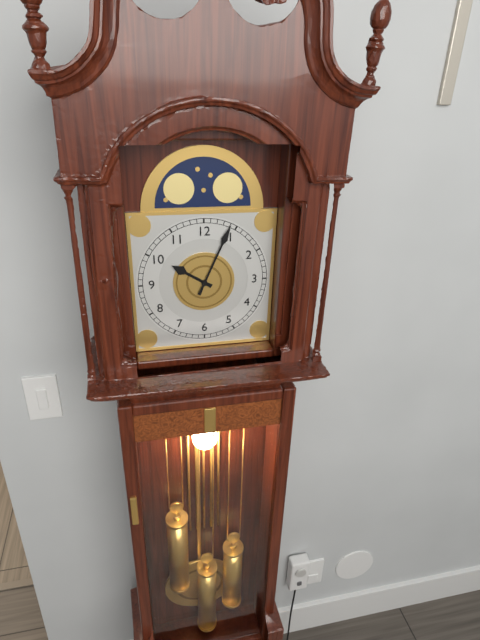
10:04
